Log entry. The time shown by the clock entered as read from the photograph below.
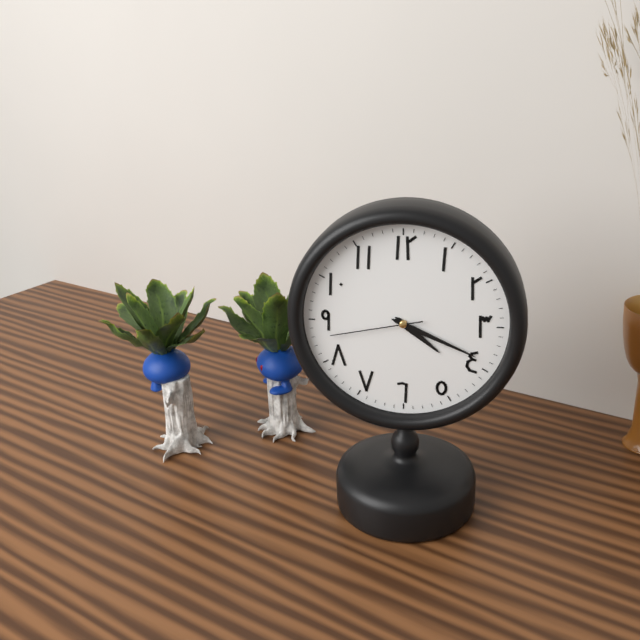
4:19:43
